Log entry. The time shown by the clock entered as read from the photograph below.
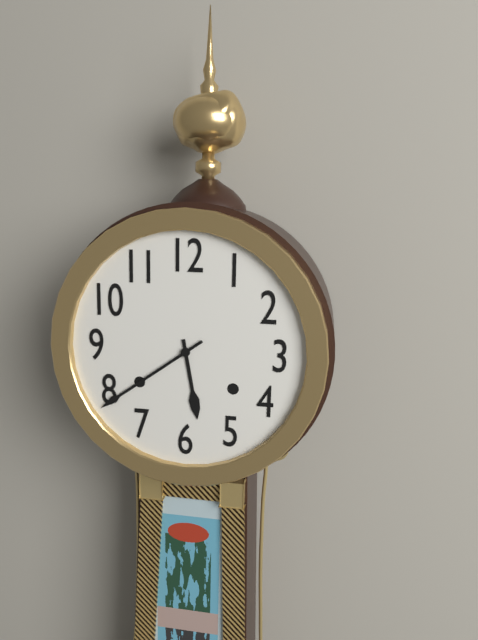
5:39
